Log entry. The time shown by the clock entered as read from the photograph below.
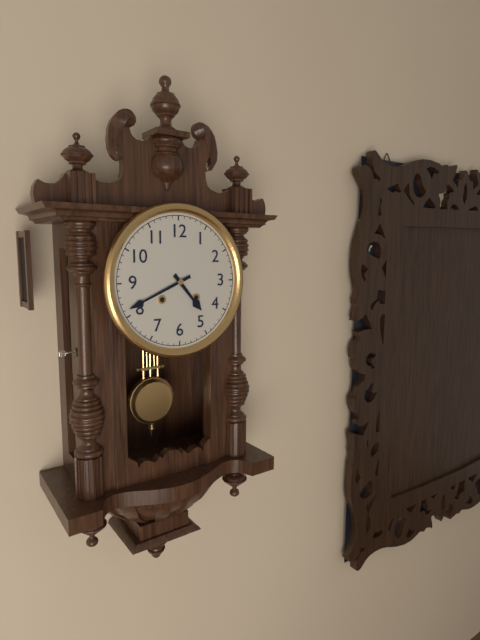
4:41
